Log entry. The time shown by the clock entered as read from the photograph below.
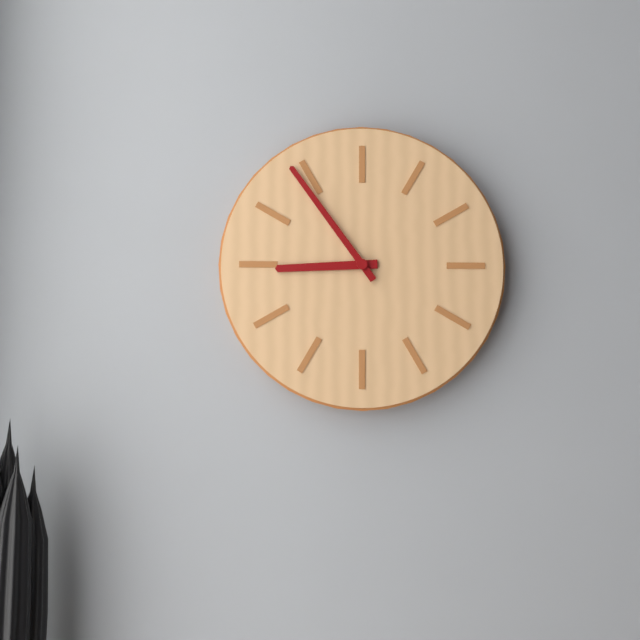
8:54
